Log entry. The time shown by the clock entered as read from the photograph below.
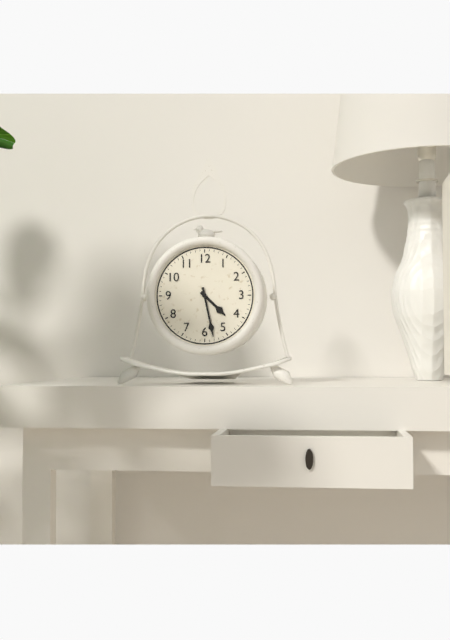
4:28
